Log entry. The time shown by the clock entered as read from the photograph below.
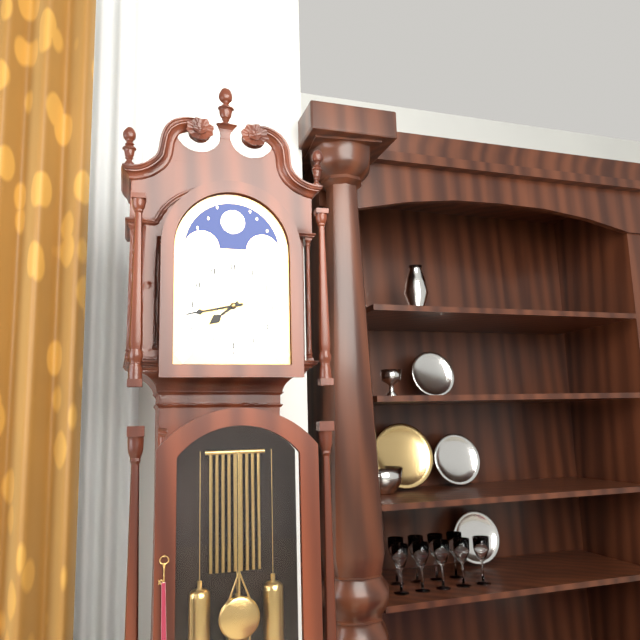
7:43
